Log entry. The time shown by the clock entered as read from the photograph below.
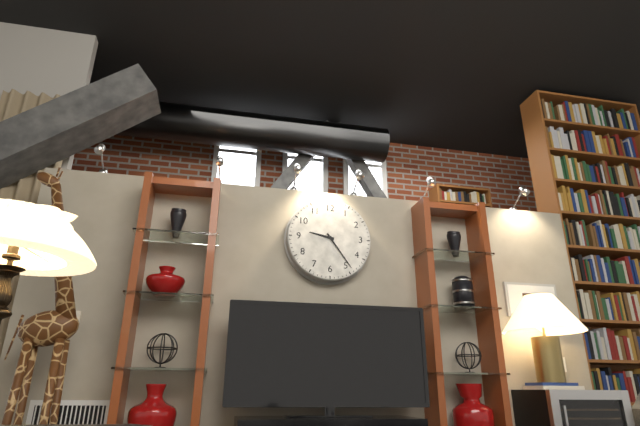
9:24
